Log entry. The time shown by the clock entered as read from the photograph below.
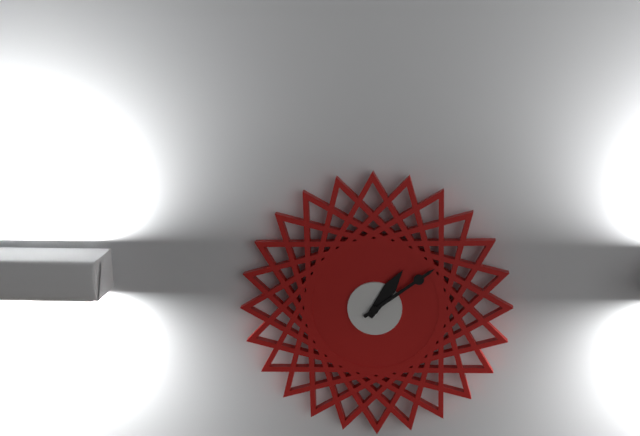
1:09
